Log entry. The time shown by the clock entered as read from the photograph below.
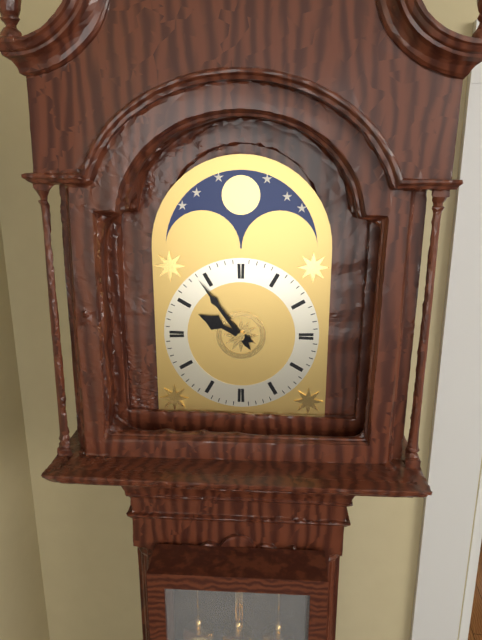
9:54
